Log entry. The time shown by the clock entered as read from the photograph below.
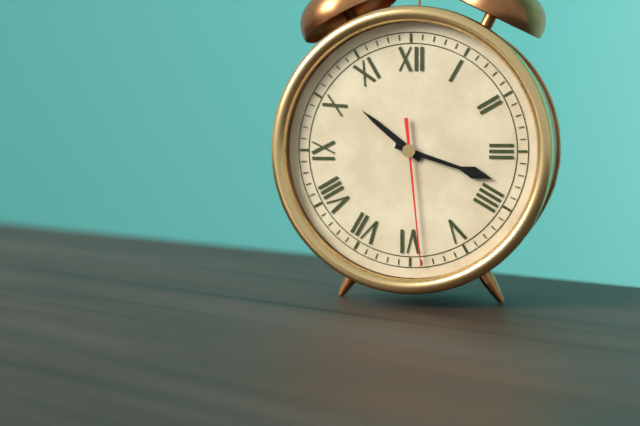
10:18:29
